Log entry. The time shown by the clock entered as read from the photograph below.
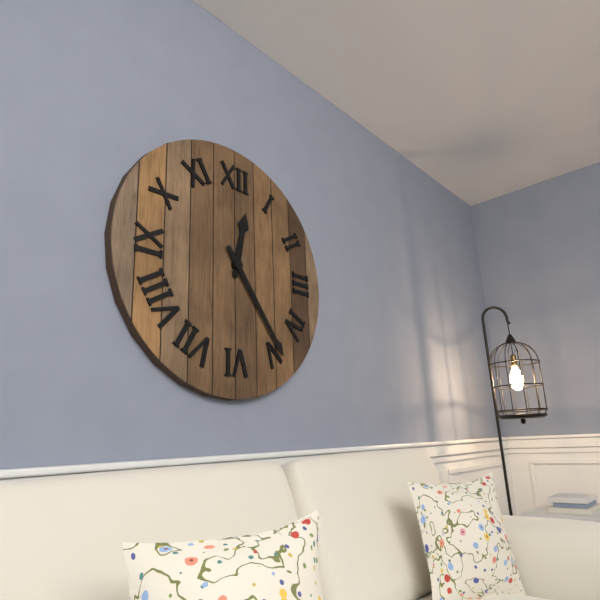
12:24
